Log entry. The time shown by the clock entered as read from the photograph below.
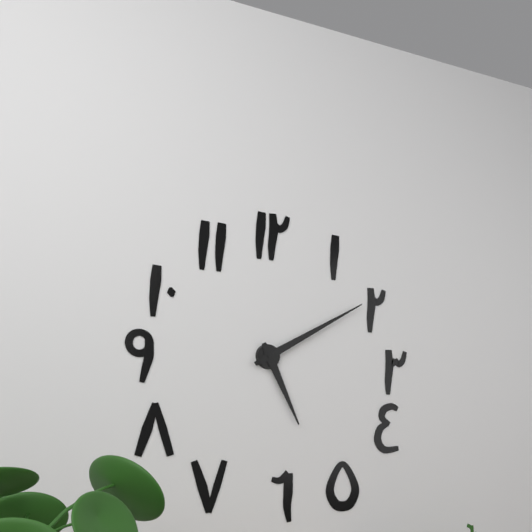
5:10
